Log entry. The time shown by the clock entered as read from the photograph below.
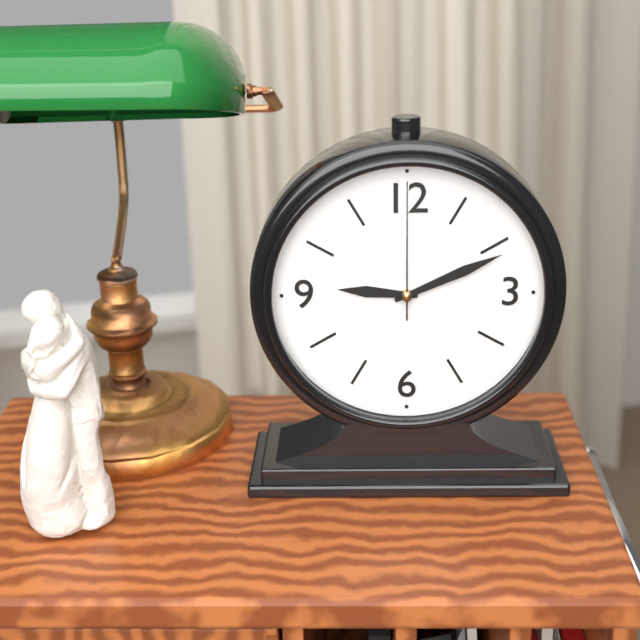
9:11:00
